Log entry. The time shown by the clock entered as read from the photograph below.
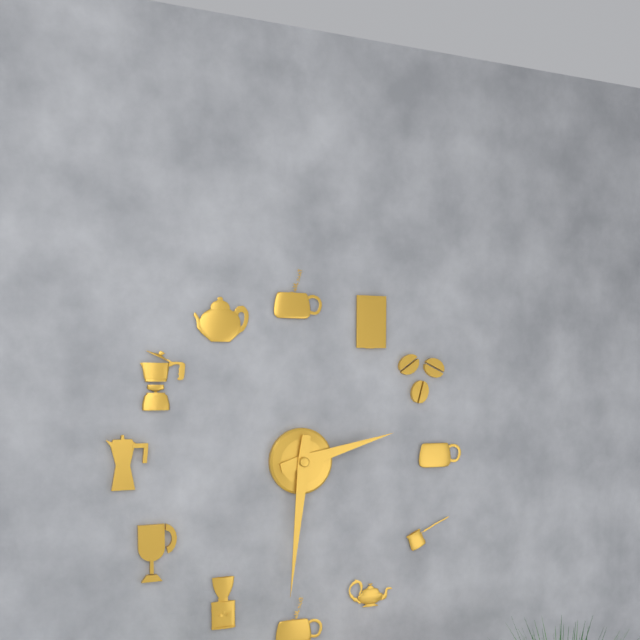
2:31
